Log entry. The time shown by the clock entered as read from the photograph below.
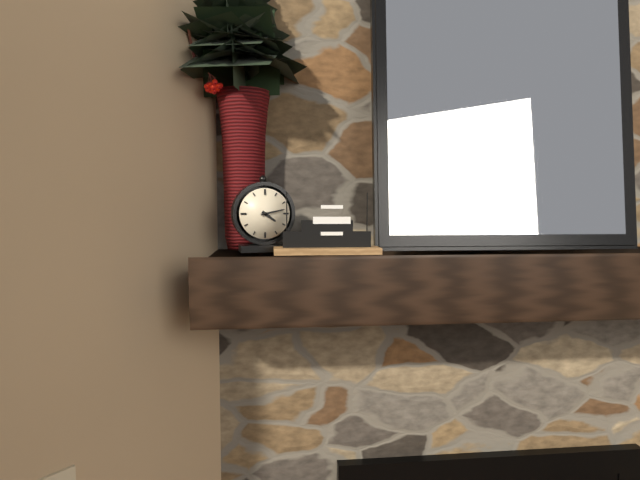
4:13
